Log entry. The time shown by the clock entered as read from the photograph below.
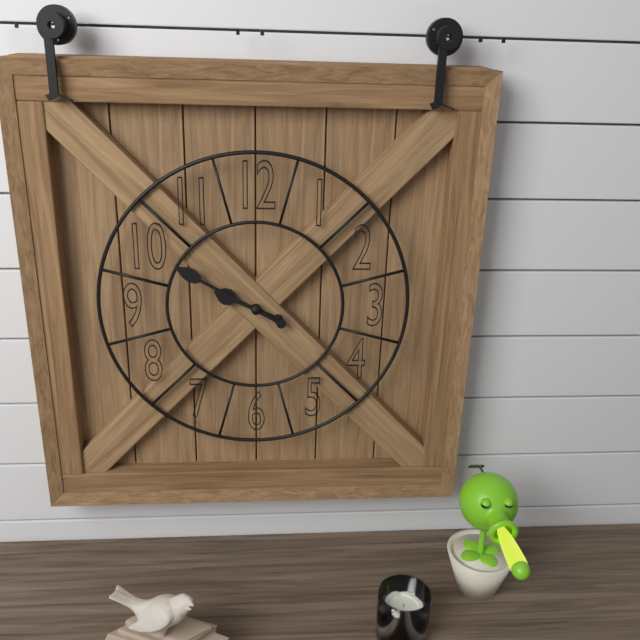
9:50
